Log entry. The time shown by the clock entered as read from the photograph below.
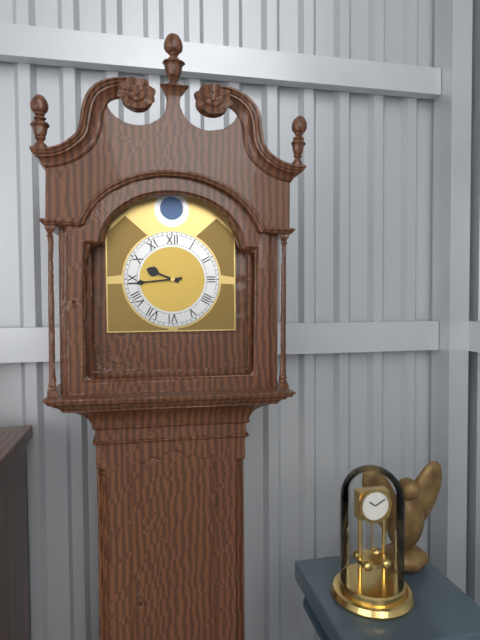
9:44
